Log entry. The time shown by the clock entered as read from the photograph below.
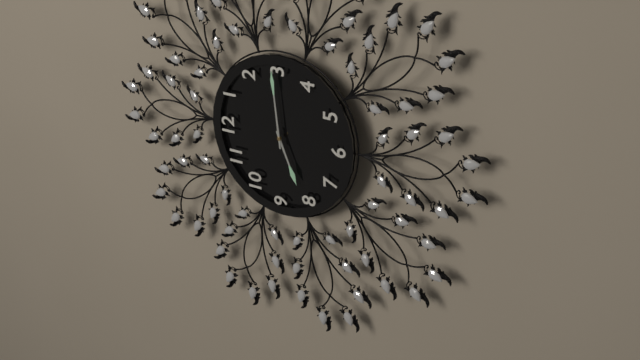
8:14
